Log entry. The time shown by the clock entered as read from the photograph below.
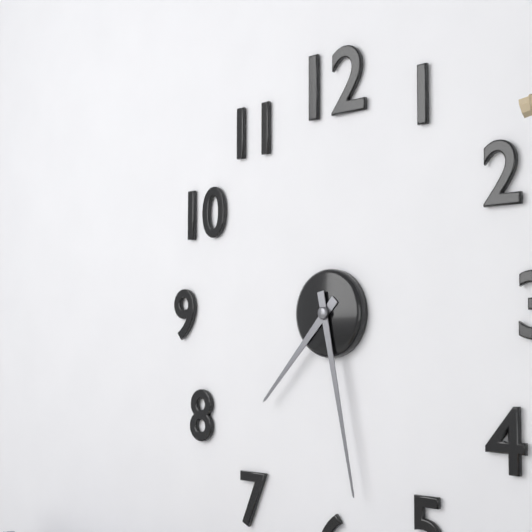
7:28
